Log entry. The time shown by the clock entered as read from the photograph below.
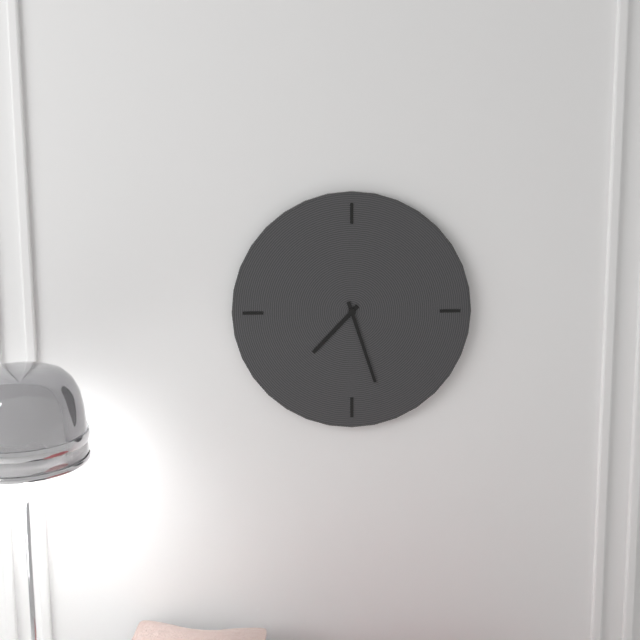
7:27
